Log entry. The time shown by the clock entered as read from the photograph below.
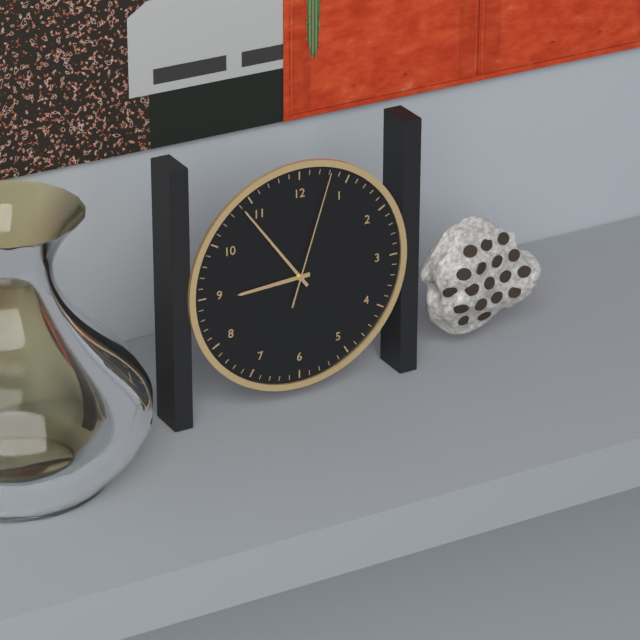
8:54:03
